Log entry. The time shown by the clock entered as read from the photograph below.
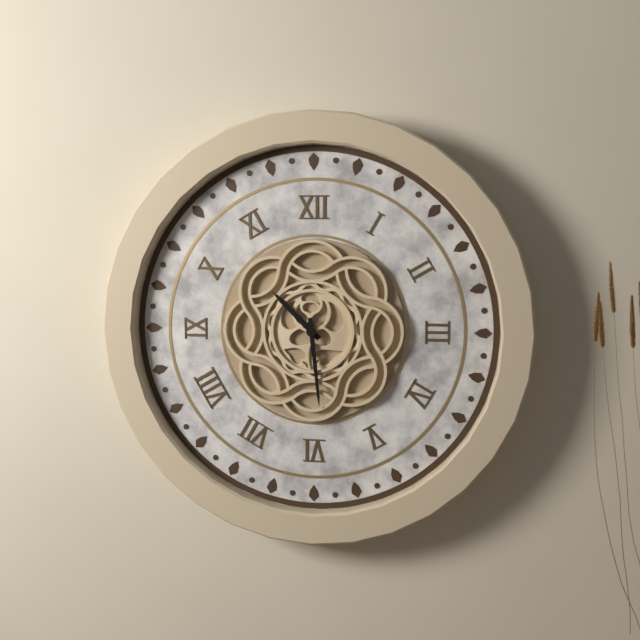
10:29
